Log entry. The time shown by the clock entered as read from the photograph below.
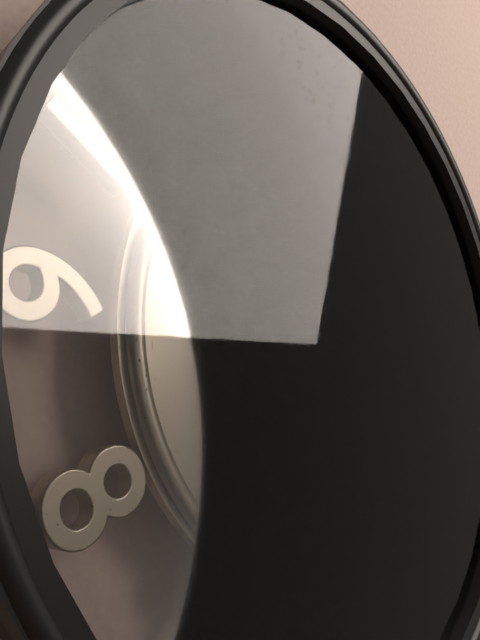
4:30:37
